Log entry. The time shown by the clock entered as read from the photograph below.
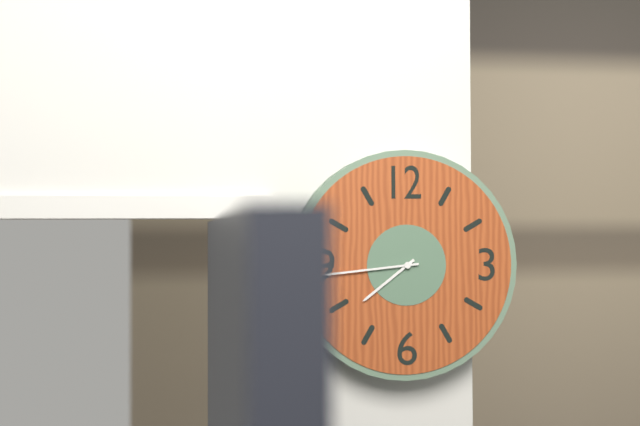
7:44
